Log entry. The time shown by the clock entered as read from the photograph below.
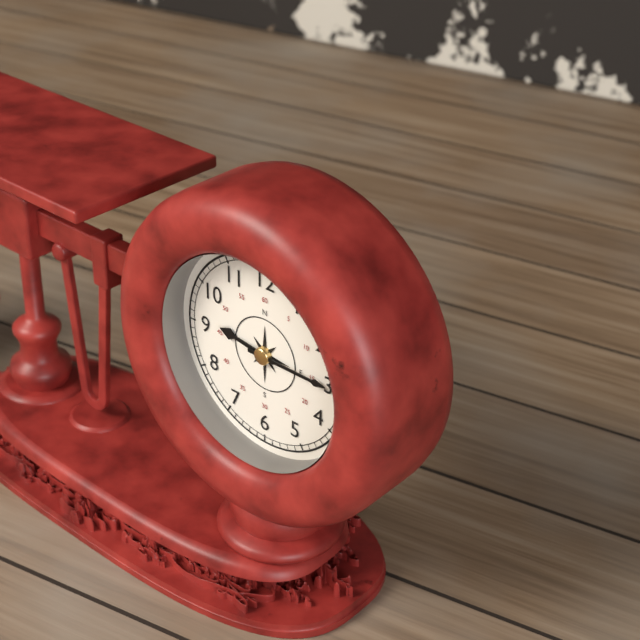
9:15
